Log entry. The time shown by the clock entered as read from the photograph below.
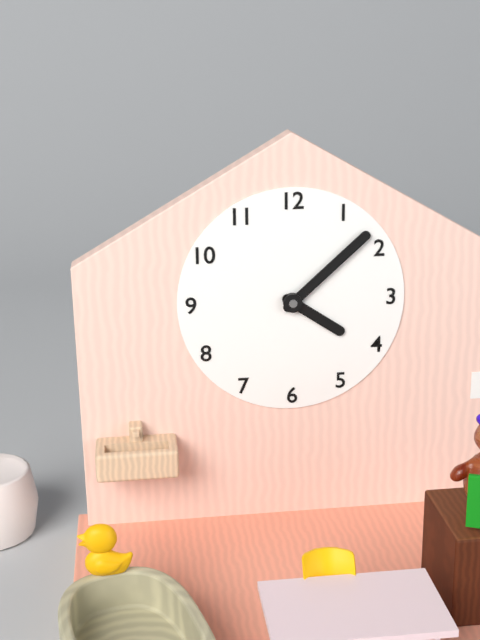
4:08
